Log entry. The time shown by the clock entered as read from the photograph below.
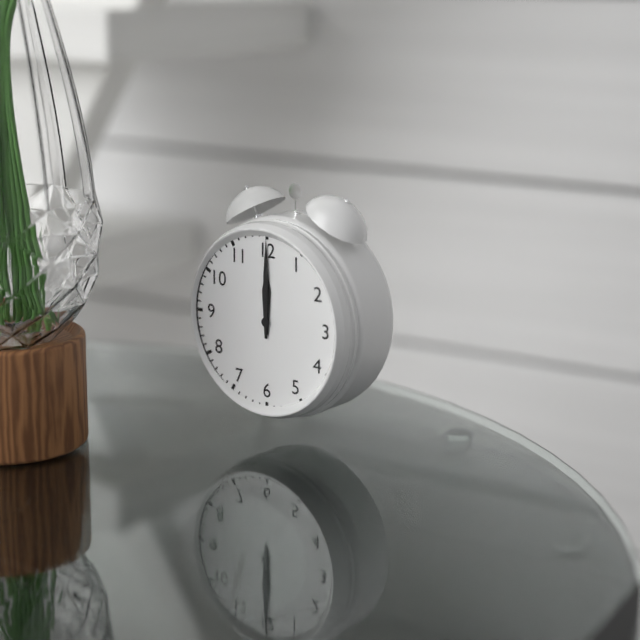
12:00
